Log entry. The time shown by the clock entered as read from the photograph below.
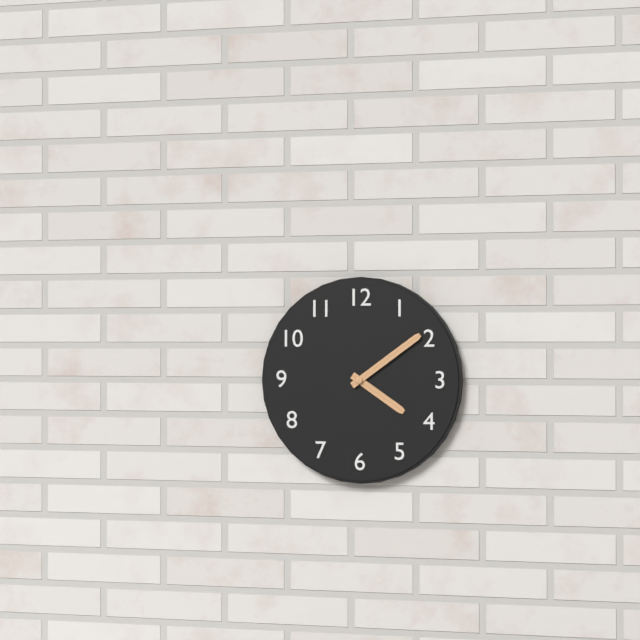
4:09
